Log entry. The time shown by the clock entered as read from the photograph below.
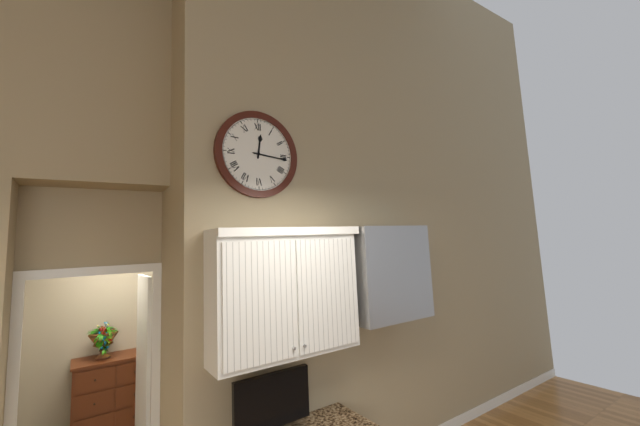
12:16
